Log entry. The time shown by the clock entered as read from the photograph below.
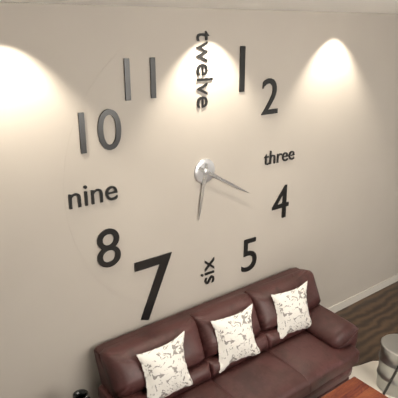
6:20
